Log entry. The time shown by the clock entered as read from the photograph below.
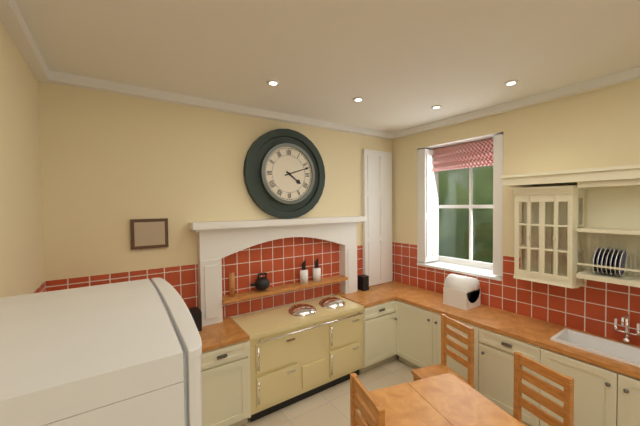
4:12
